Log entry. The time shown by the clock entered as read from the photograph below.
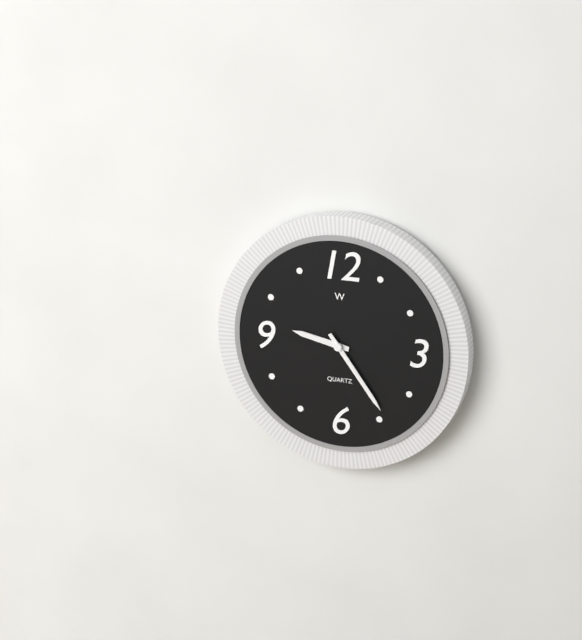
9:24
